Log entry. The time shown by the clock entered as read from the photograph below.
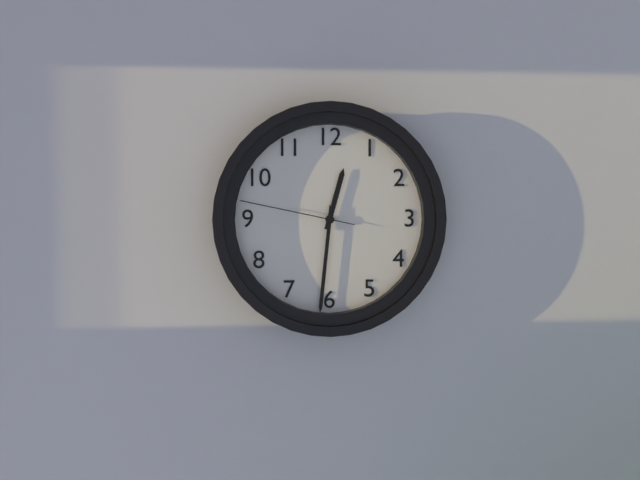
12:31:47
